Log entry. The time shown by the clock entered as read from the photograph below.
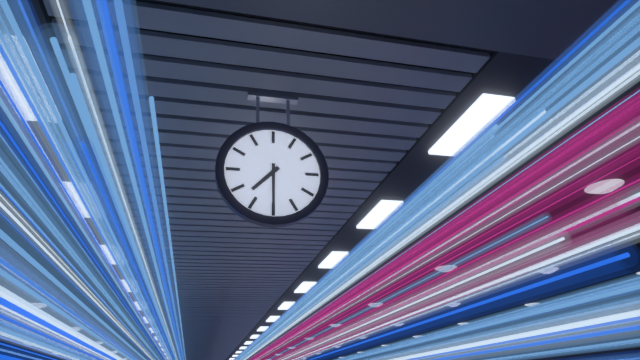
7:30
